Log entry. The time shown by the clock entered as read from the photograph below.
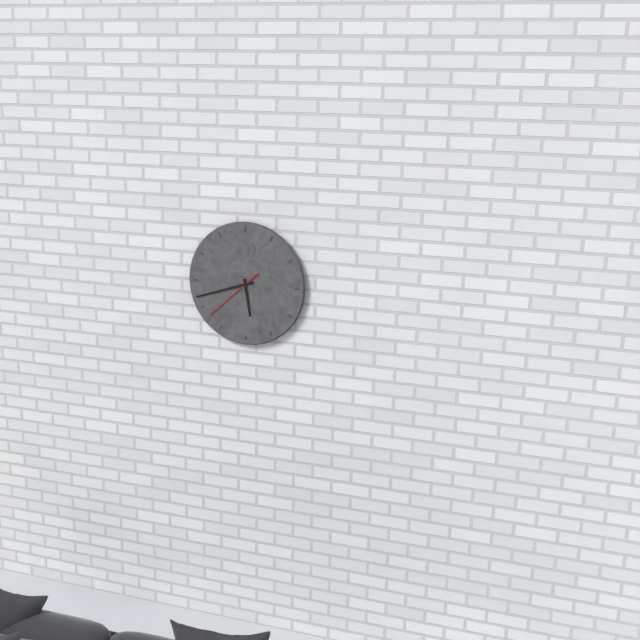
5:42:38
